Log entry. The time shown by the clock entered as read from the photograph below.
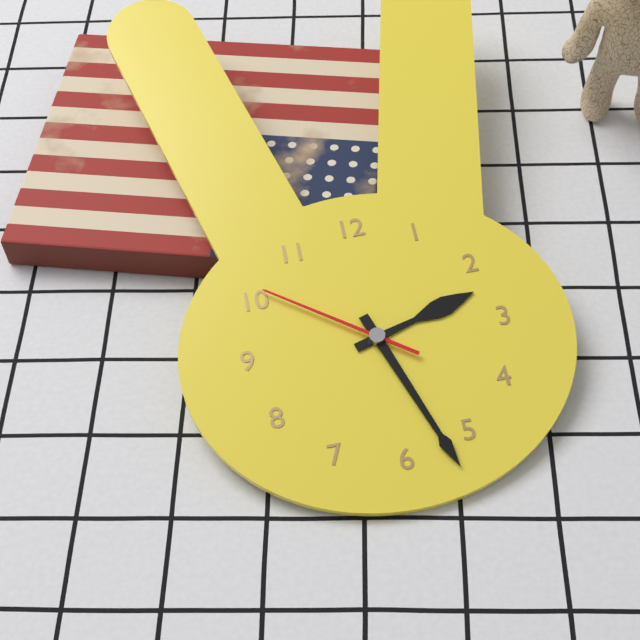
2:27:51
